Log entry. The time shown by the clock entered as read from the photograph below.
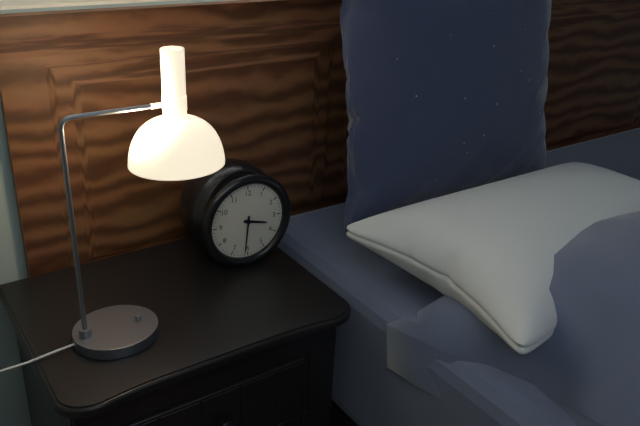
3:31
